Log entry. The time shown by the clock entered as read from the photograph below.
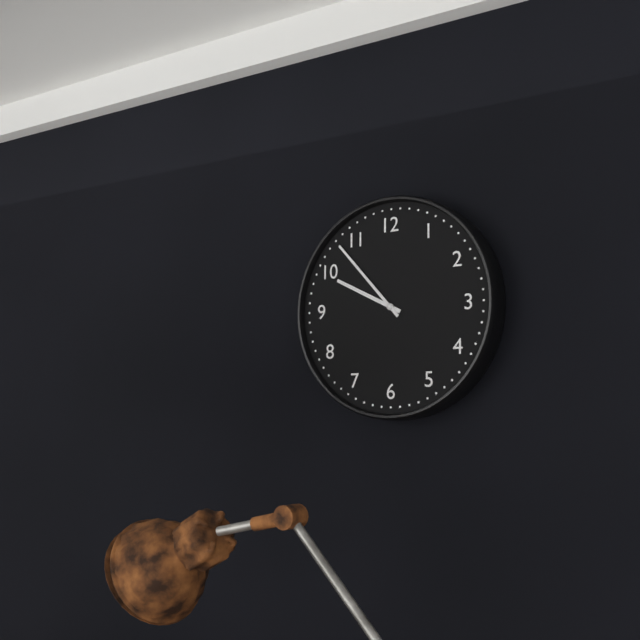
9:53
